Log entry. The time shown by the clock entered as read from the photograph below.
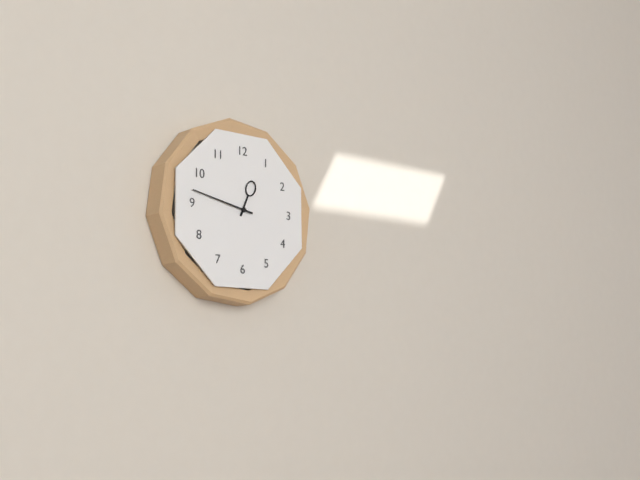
12:47
